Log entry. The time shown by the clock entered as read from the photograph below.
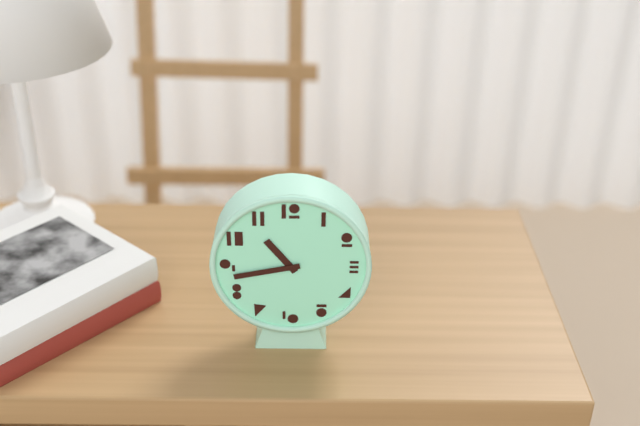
10:43
